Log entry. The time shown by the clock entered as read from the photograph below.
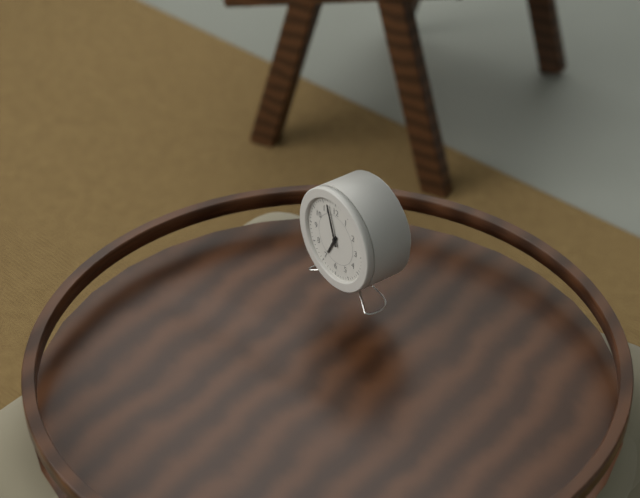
6:57
